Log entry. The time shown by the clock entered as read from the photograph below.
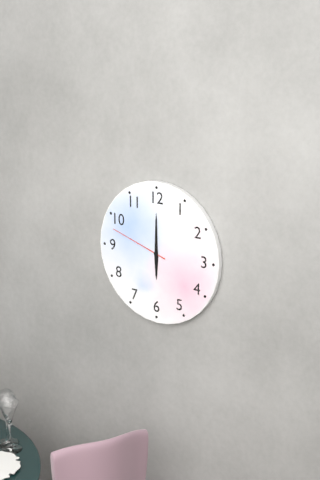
6:00:48
